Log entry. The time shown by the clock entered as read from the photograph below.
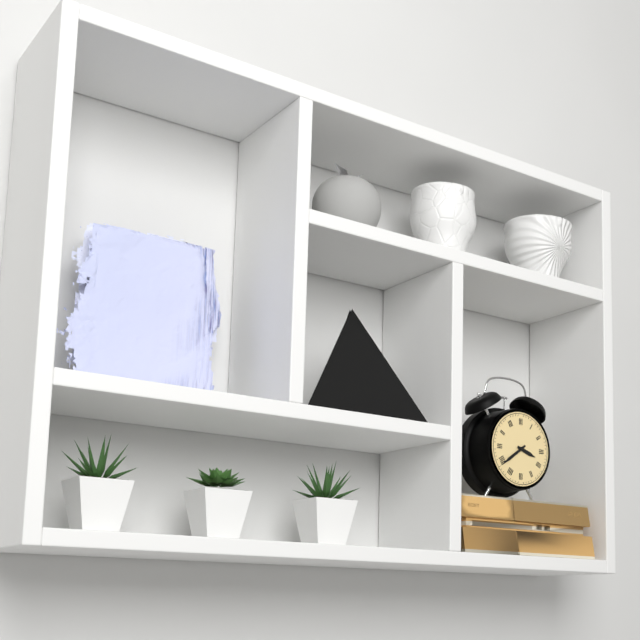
3:39
